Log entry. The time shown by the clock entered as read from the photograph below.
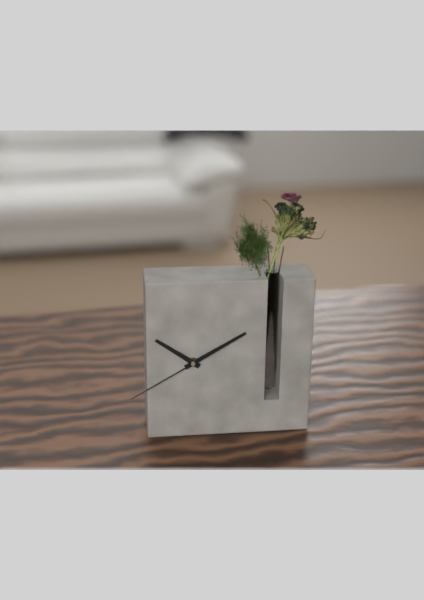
10:10:40
